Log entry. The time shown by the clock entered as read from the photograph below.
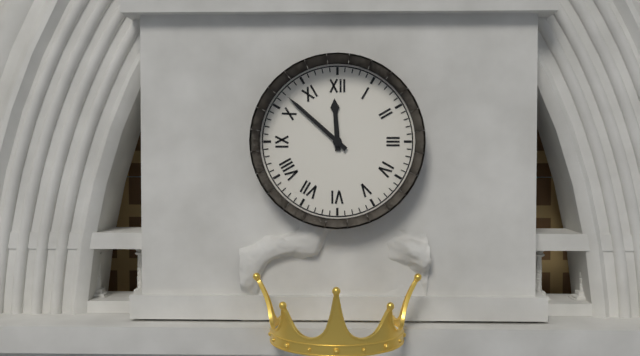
11:52
